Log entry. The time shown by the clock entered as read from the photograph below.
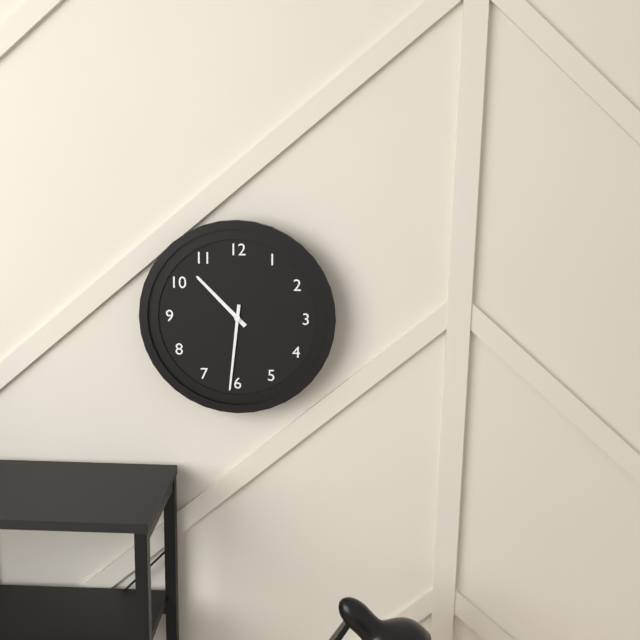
10:31
